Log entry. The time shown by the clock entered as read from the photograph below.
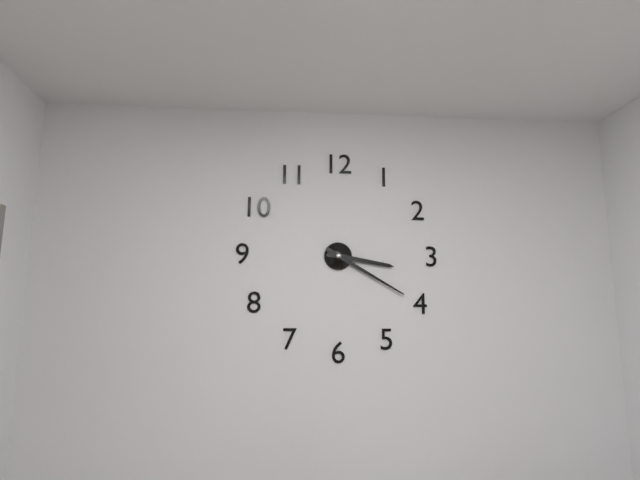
3:20
